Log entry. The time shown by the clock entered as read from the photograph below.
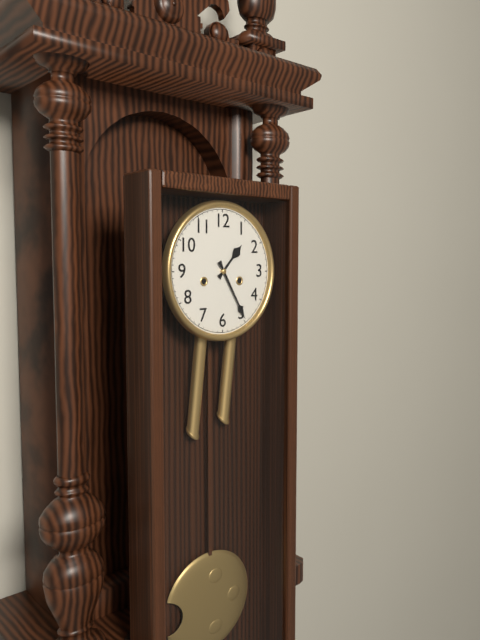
1:25
